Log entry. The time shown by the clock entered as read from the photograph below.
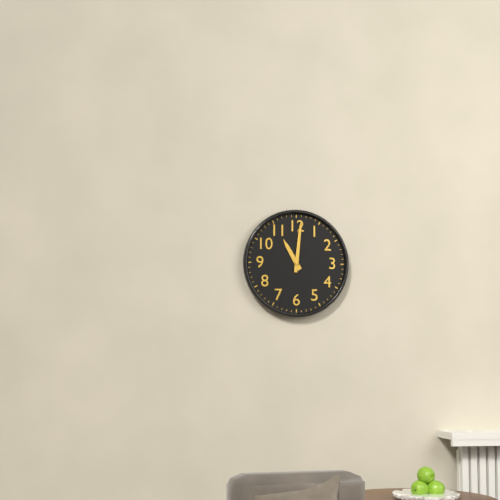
11:01
